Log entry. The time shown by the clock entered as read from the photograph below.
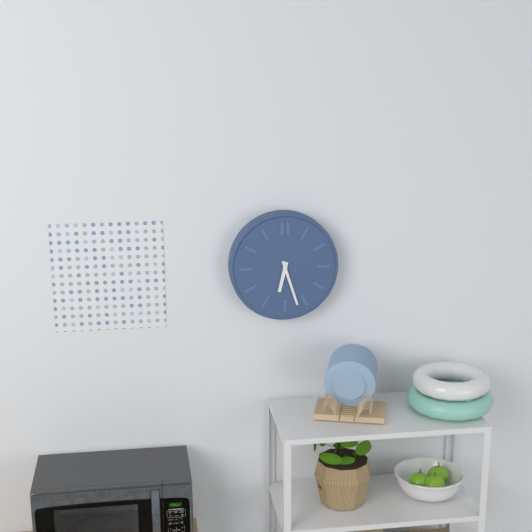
6:27
